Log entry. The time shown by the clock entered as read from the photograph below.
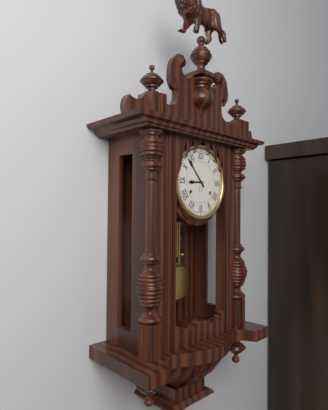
8:53
